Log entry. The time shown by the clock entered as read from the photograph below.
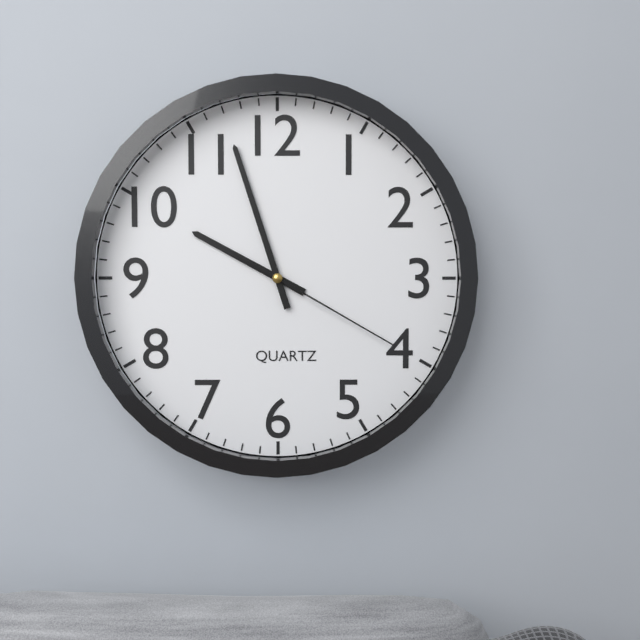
9:57:20
